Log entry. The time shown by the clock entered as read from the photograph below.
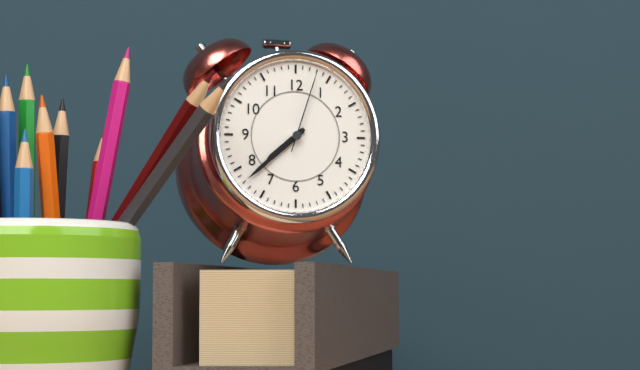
7:38:03
